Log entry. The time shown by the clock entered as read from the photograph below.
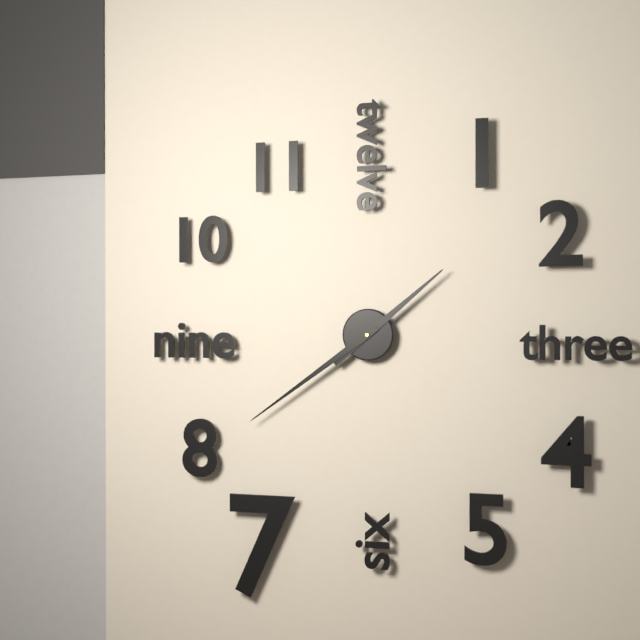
1:39
